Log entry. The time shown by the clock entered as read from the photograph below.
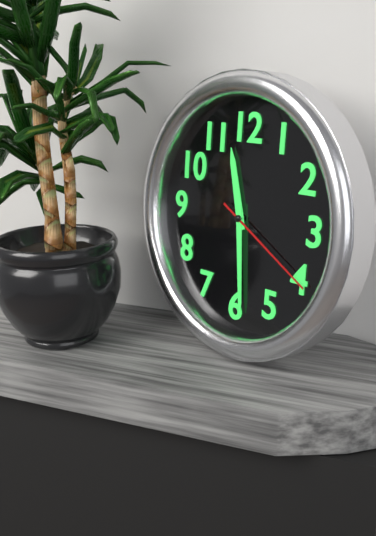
11:29:20
